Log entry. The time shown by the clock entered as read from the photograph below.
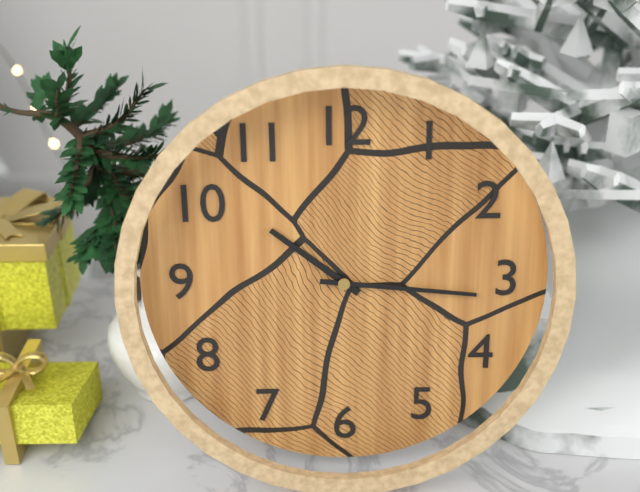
10:16
